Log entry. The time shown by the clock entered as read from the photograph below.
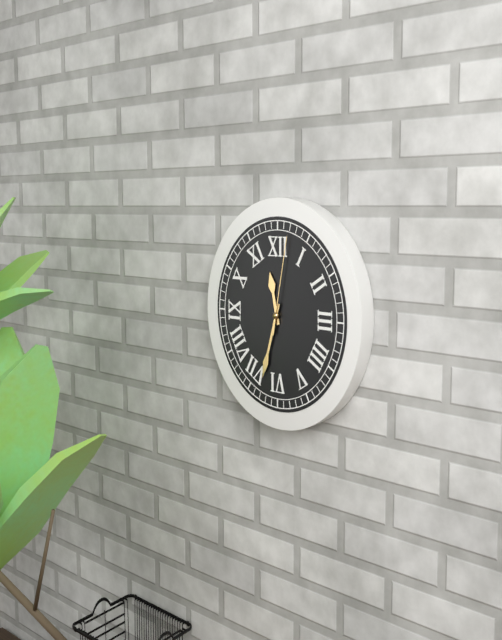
11:33:02
